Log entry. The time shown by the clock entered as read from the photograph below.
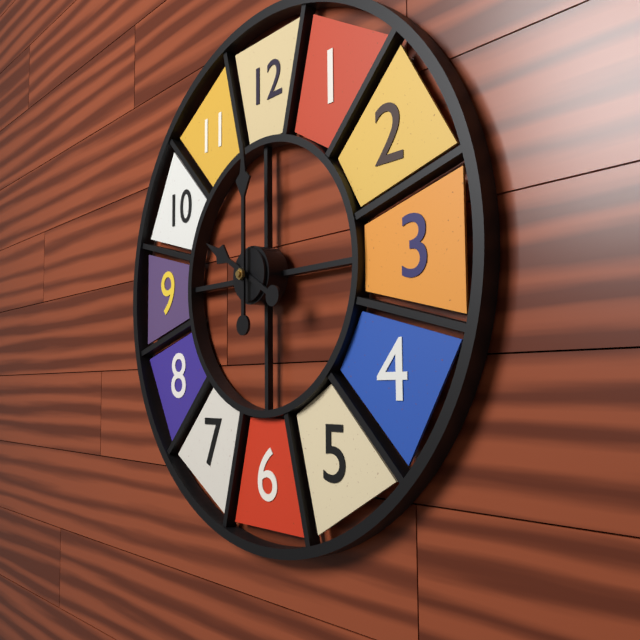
10:00
